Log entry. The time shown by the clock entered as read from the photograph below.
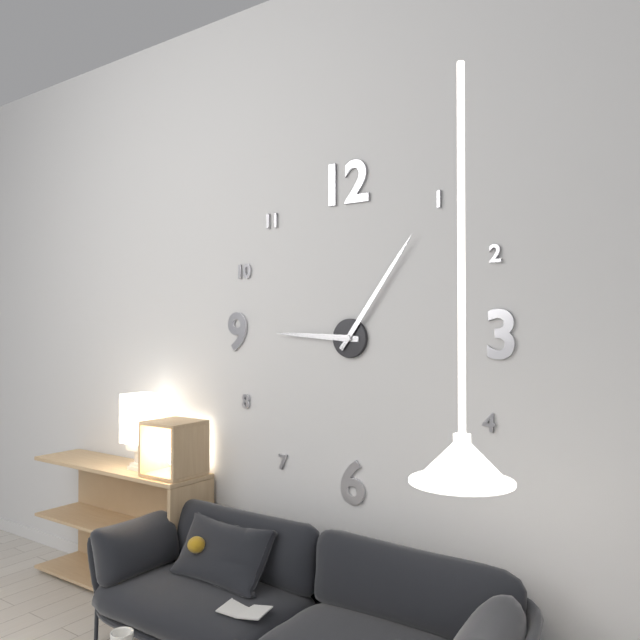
9:06
